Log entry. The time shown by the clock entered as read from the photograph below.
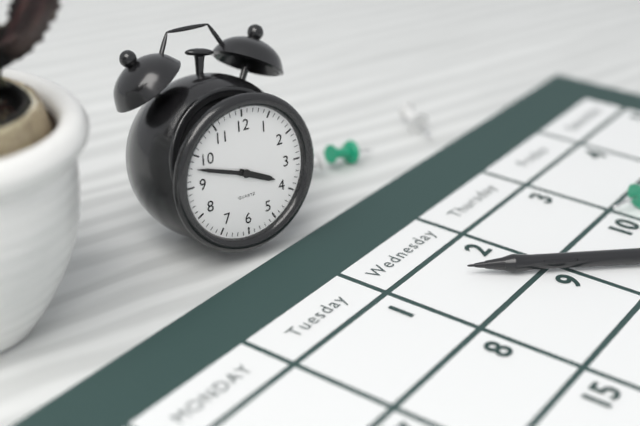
3:48
